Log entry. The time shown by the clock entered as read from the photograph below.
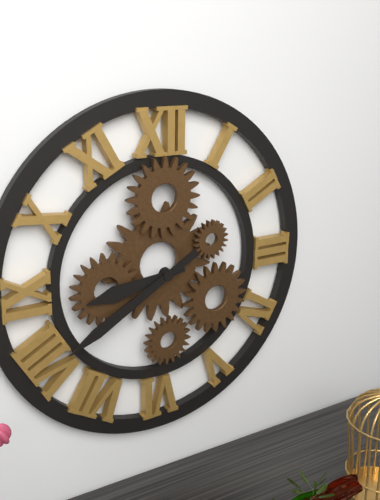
8:40
